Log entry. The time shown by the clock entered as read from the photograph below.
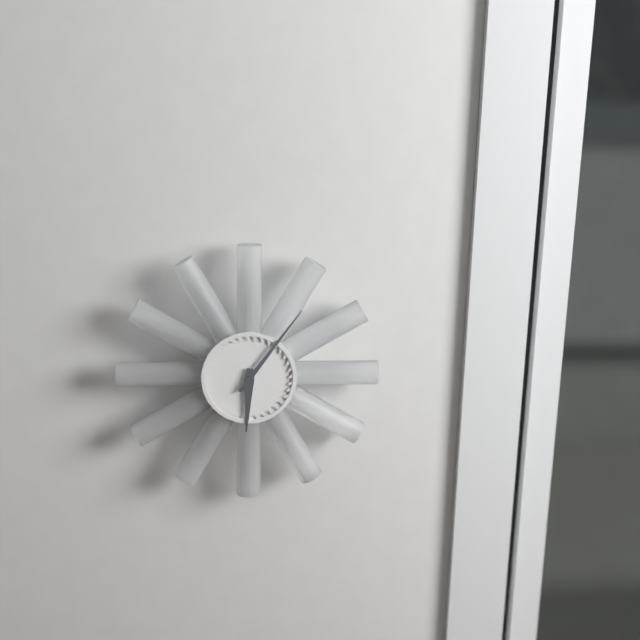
6:06
